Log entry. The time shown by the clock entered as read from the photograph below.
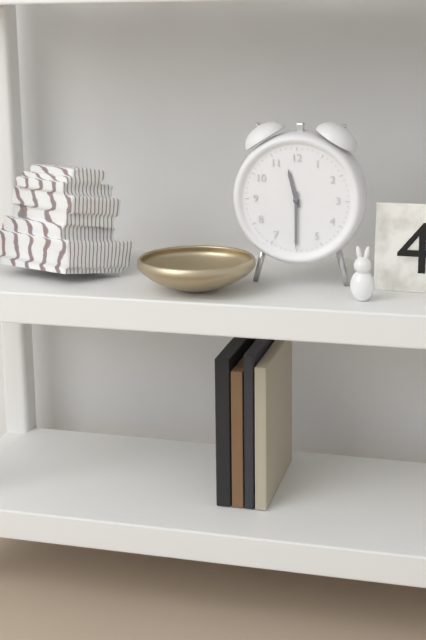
11:30
